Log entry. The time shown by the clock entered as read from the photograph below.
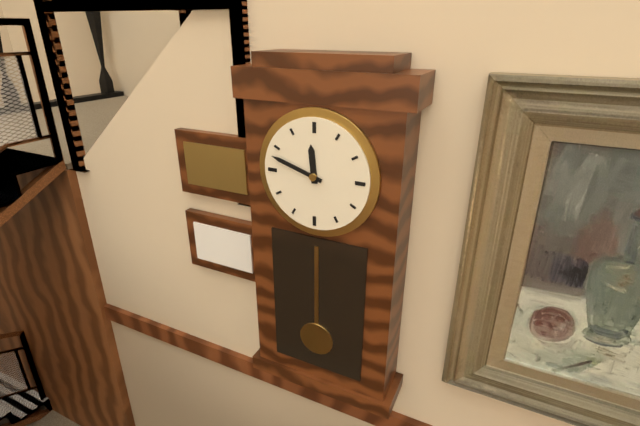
11:48
